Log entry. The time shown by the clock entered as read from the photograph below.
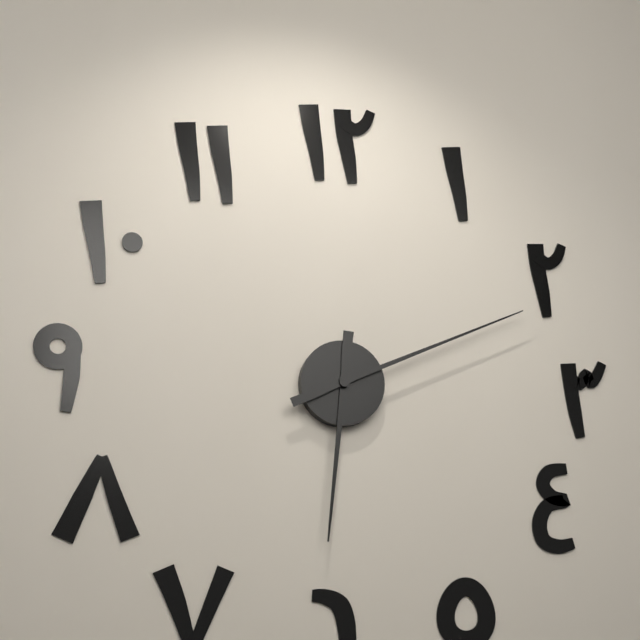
6:11
